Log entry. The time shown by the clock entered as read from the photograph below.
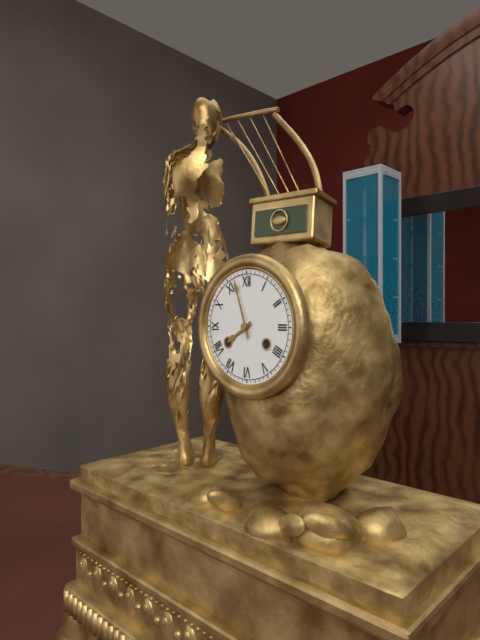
7:57
